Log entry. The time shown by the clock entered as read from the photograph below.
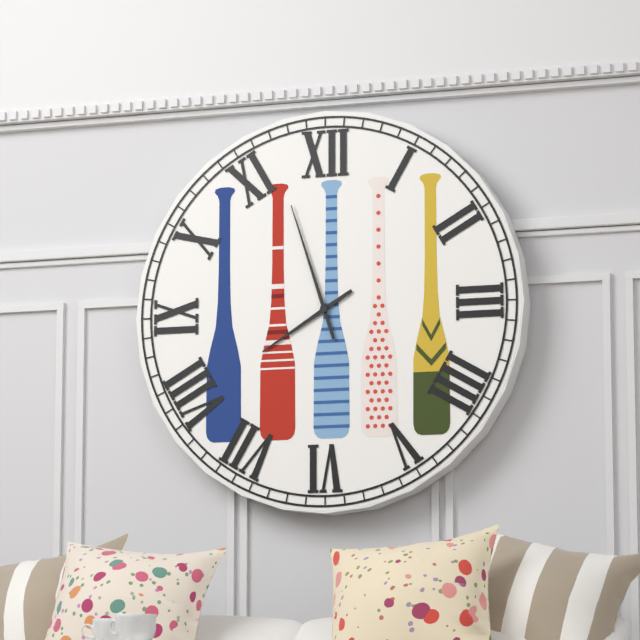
7:57
